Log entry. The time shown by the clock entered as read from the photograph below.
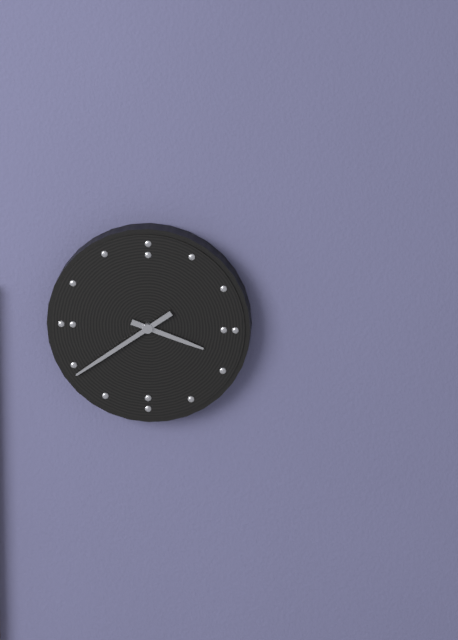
3:39
